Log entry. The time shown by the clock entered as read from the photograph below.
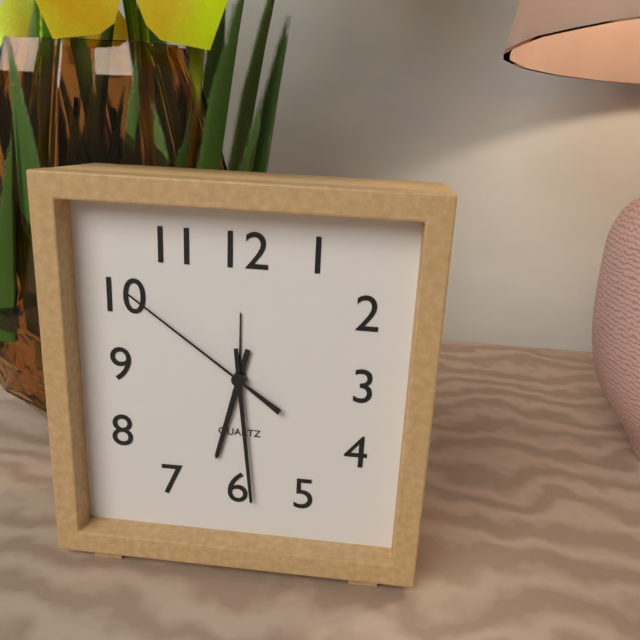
6:29:51
